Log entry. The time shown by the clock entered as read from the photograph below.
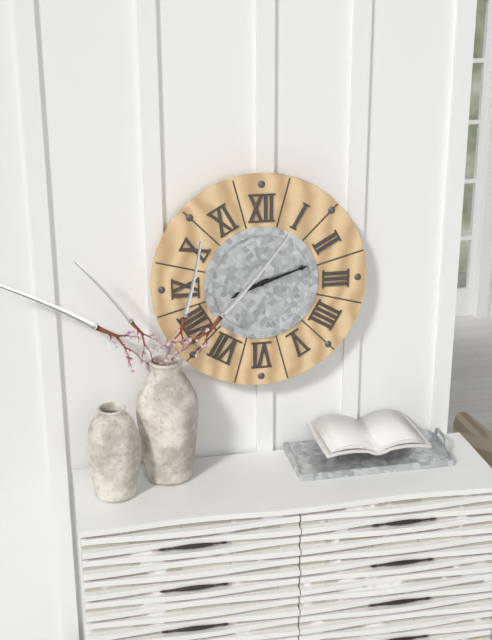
8:12
